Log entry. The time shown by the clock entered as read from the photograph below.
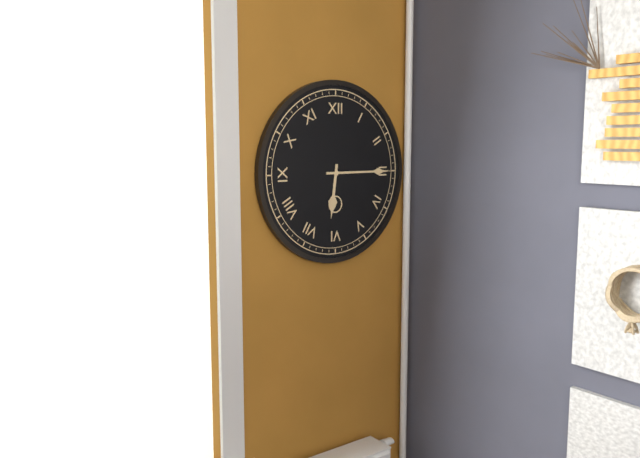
6:15
